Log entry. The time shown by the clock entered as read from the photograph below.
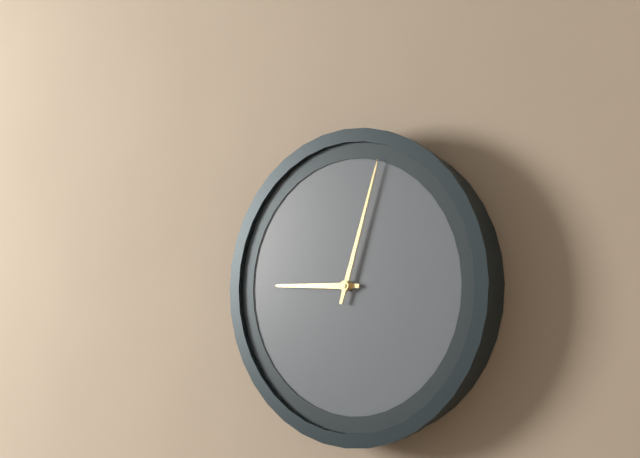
9:03
